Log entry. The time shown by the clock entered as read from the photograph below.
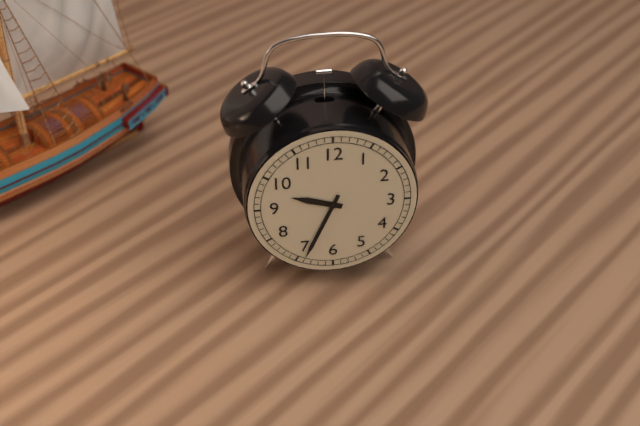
9:34
